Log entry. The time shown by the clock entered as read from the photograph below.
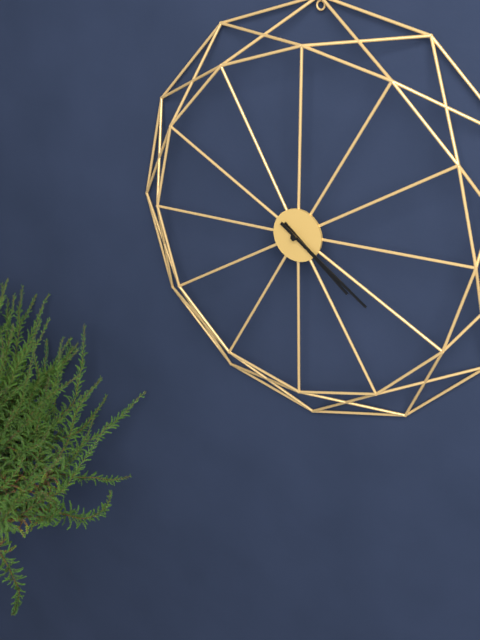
4:21
